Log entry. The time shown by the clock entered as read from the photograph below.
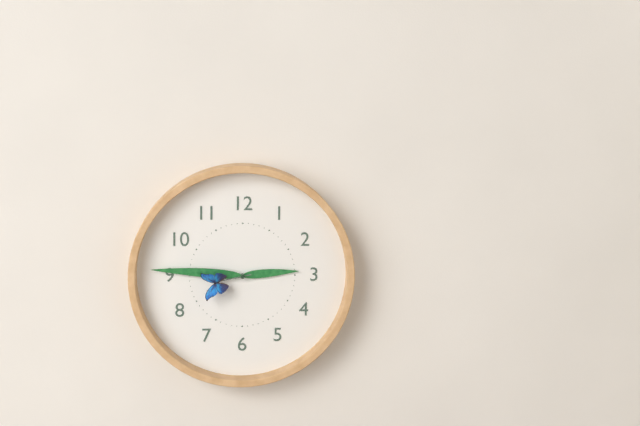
2:46:43
